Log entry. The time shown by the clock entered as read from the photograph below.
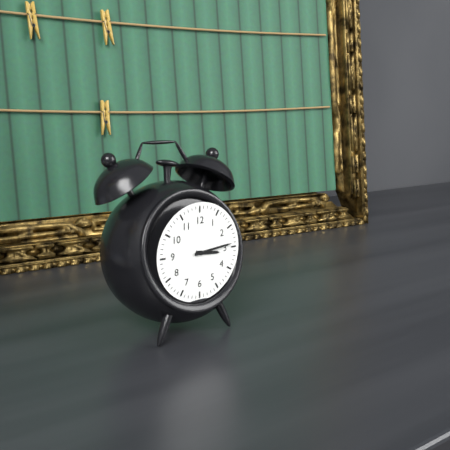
3:14
